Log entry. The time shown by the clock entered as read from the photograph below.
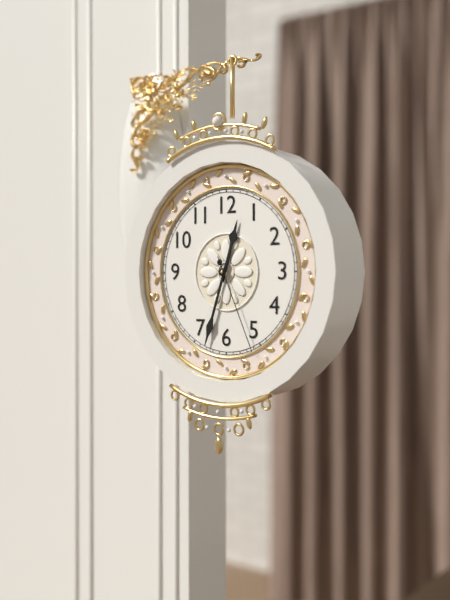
12:33:26
